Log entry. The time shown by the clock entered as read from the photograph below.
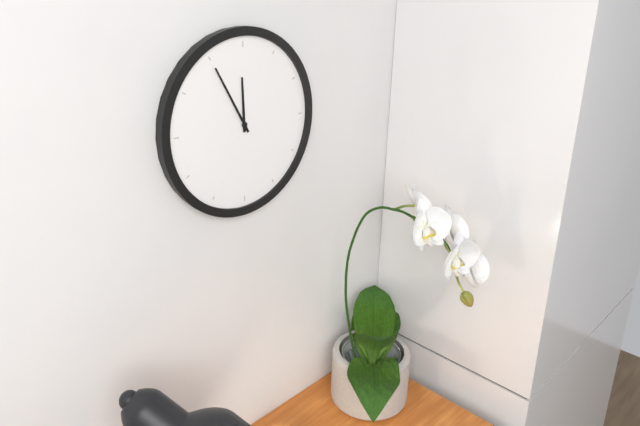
11:55
